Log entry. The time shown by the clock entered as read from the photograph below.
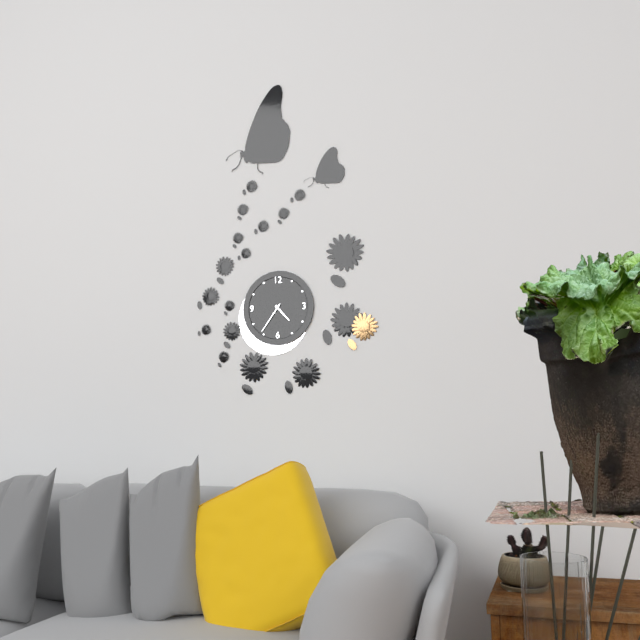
4:36
